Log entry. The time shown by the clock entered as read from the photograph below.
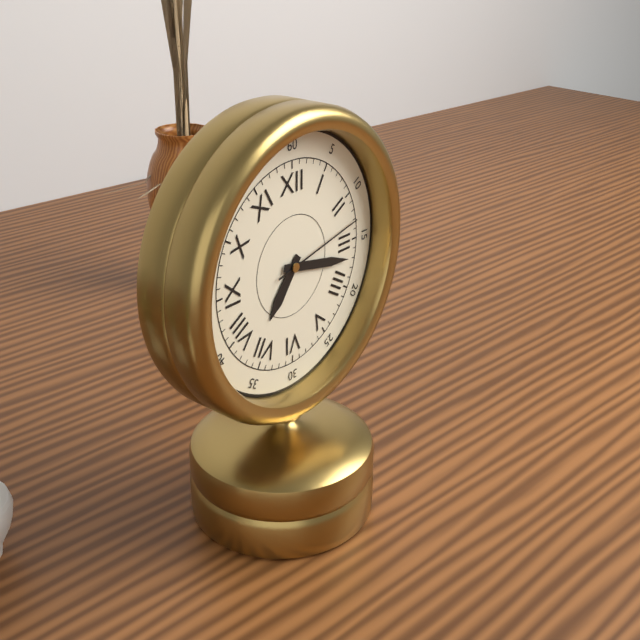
7:17:13
